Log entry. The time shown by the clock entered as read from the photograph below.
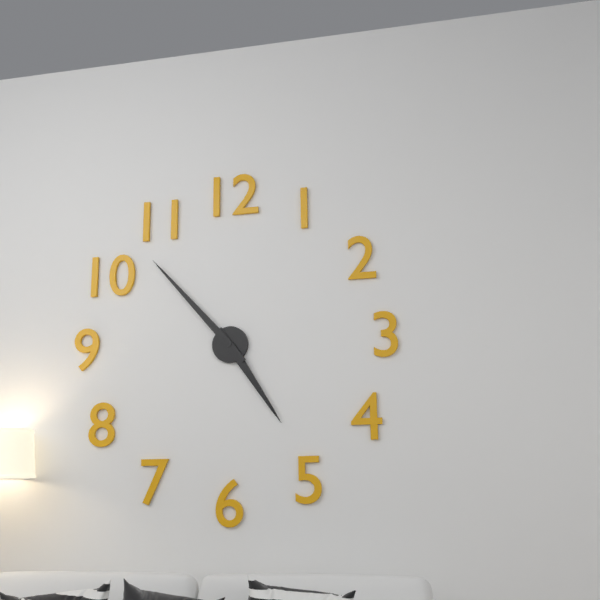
4:53
